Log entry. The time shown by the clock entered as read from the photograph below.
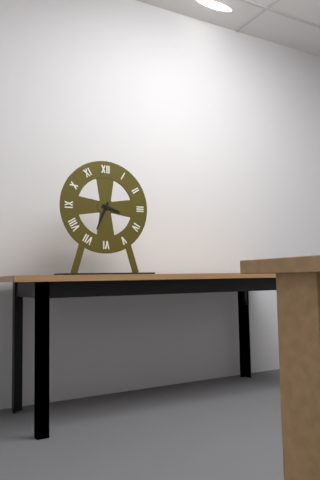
3:34
